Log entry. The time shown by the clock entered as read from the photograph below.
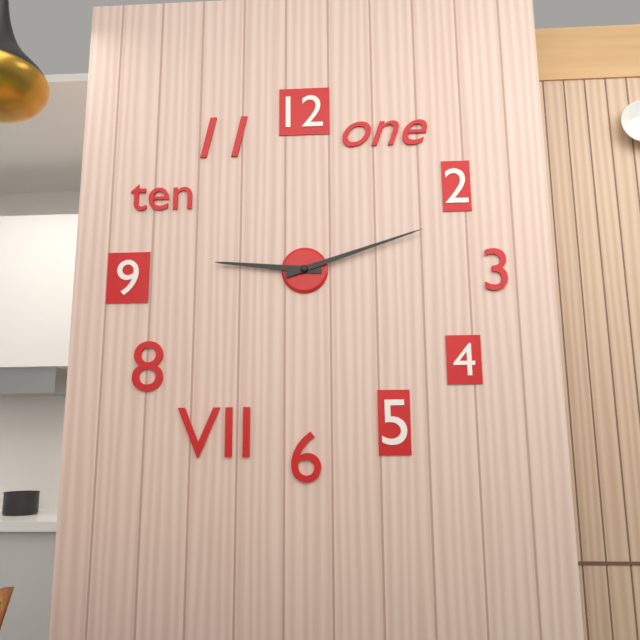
9:12
